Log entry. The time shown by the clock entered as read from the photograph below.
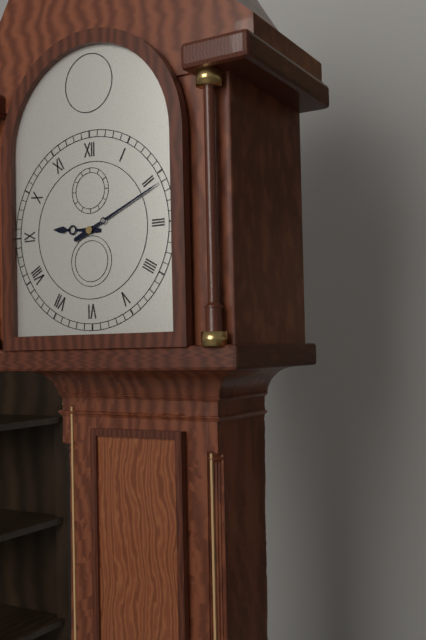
9:11
